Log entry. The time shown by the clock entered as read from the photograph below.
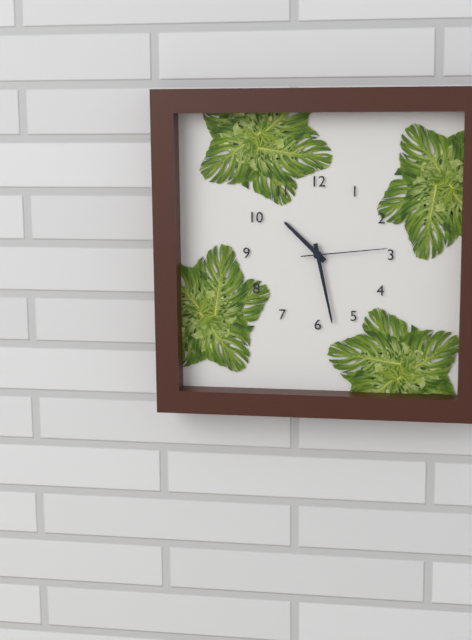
10:28:14
